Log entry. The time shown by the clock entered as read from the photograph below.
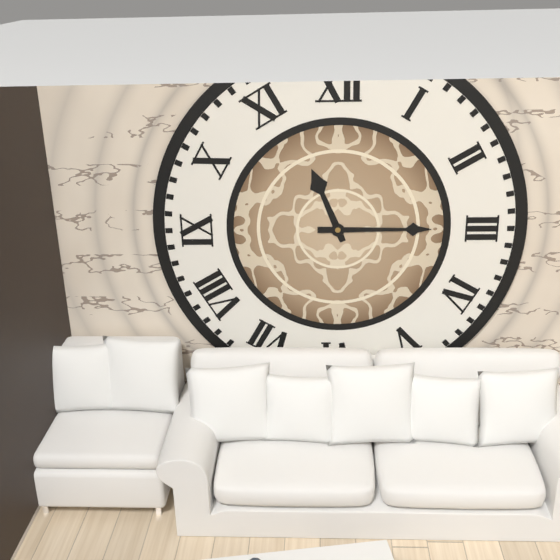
11:15
